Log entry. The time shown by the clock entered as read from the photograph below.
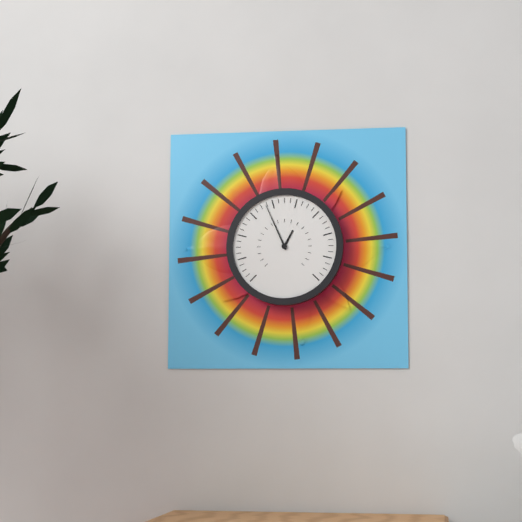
12:56
